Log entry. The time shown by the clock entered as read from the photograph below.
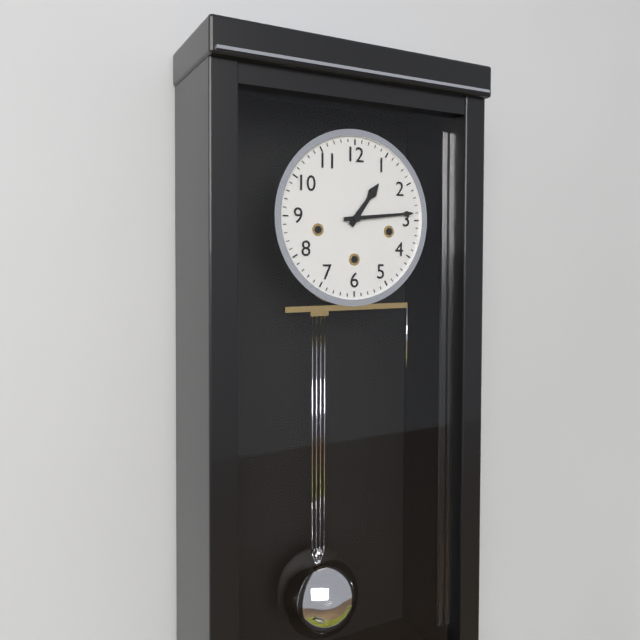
1:14
